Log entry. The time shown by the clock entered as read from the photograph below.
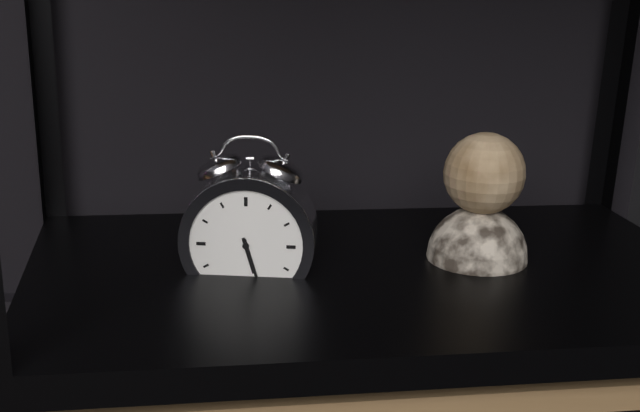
5:27
